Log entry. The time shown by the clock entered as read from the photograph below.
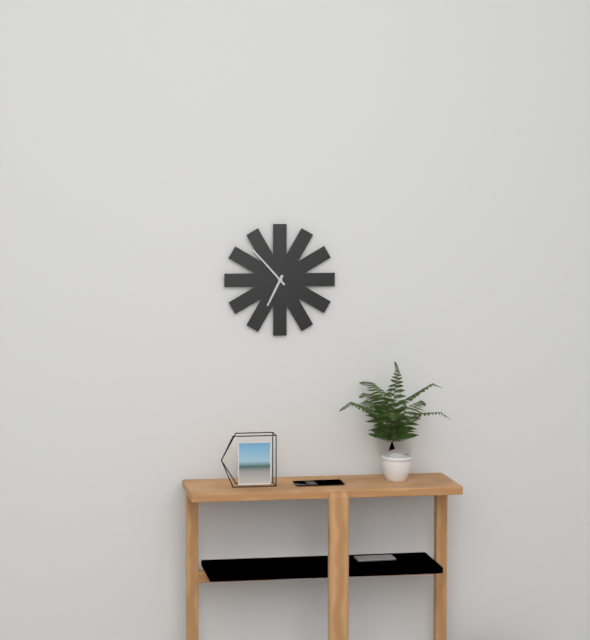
6:53
